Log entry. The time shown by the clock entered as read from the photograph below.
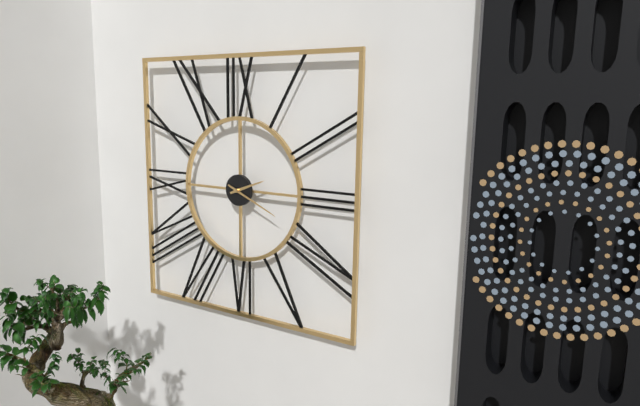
2:19
